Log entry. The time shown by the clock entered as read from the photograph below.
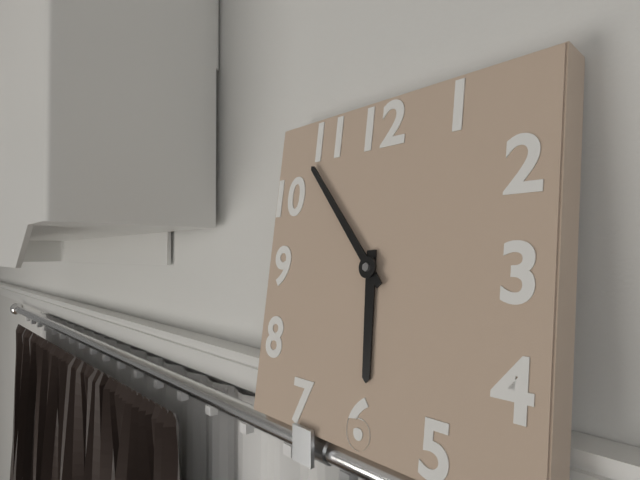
5:53
